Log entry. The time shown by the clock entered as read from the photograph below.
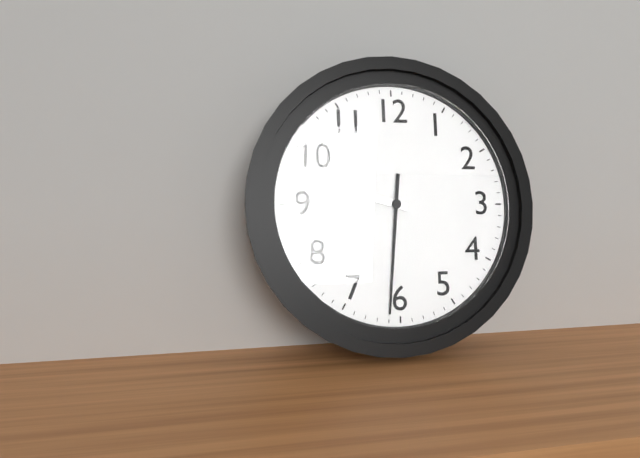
9:31
